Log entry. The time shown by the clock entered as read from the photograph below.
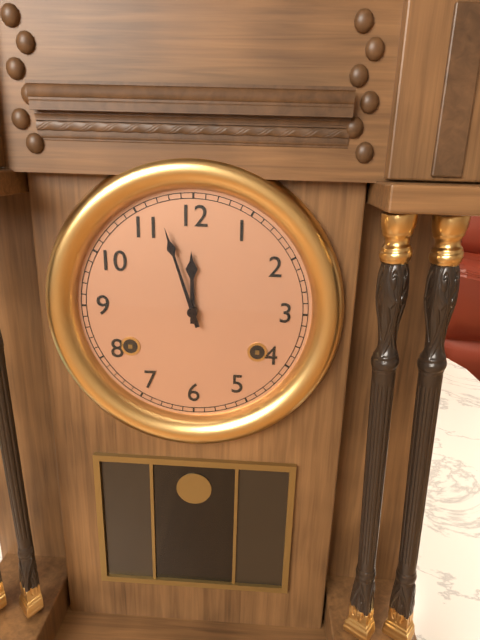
11:57
